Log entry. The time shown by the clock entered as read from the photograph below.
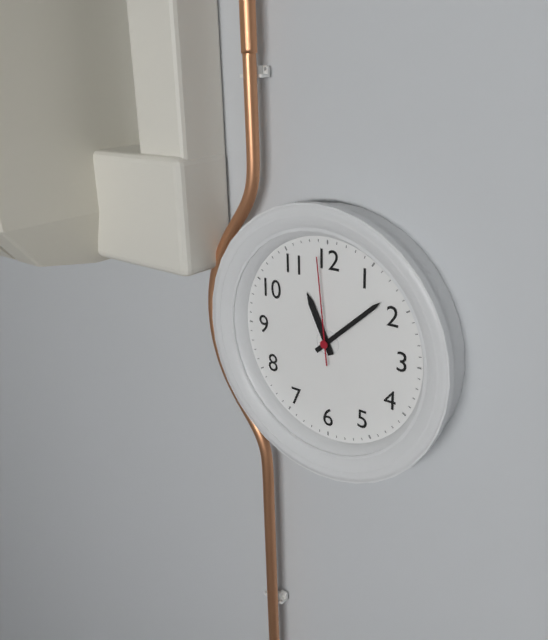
11:08:59
